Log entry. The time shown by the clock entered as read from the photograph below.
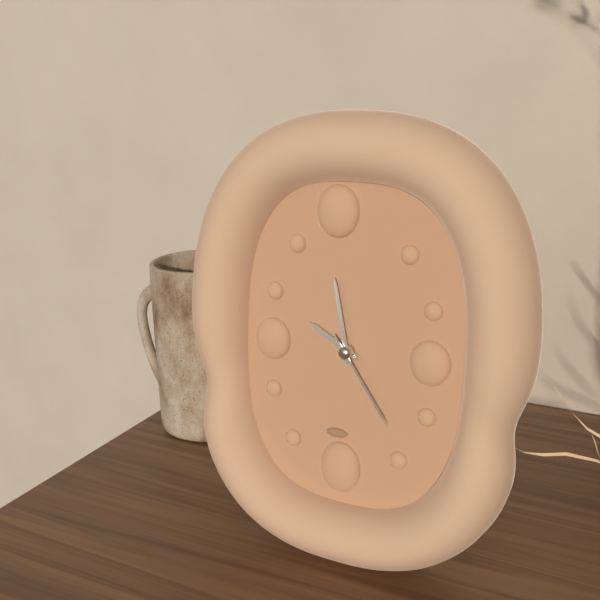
9:58:24
